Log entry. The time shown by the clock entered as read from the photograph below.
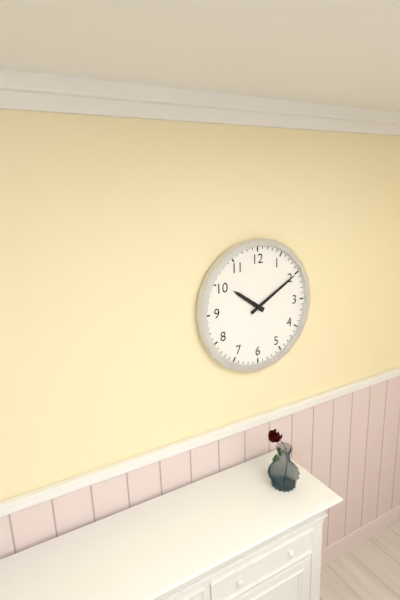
10:10
